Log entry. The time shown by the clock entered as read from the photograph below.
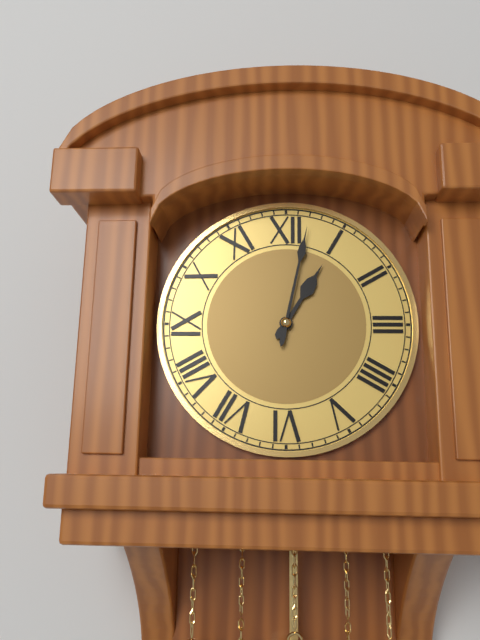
1:02
